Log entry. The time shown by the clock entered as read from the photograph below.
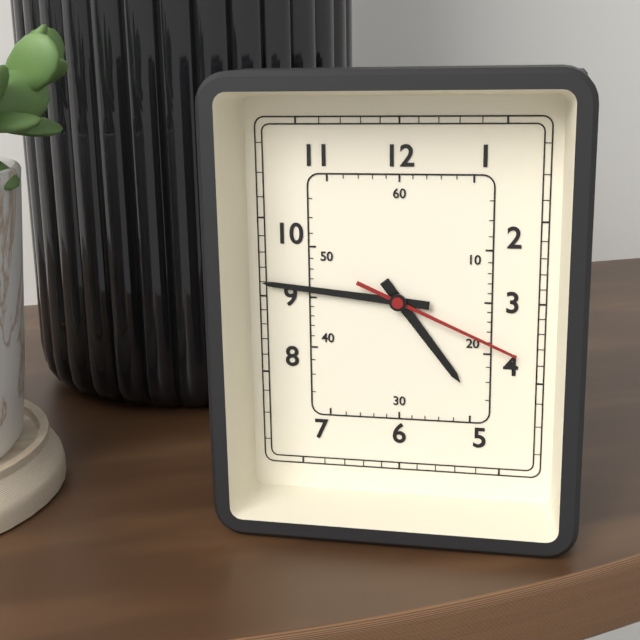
4:46:19
